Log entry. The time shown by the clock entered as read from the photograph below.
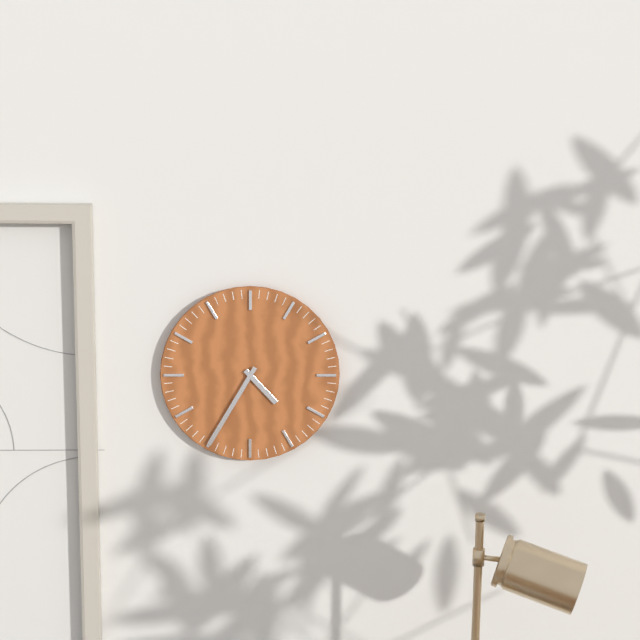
4:35
